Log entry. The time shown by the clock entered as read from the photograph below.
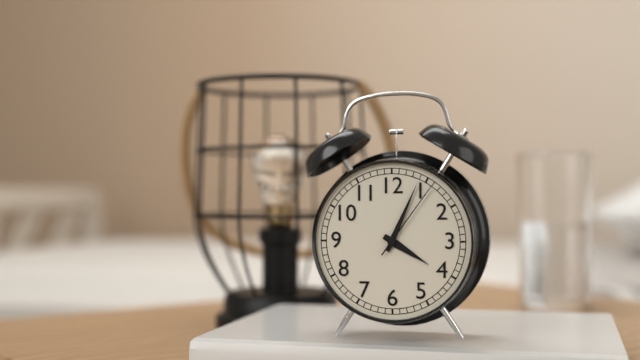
4:04:06
